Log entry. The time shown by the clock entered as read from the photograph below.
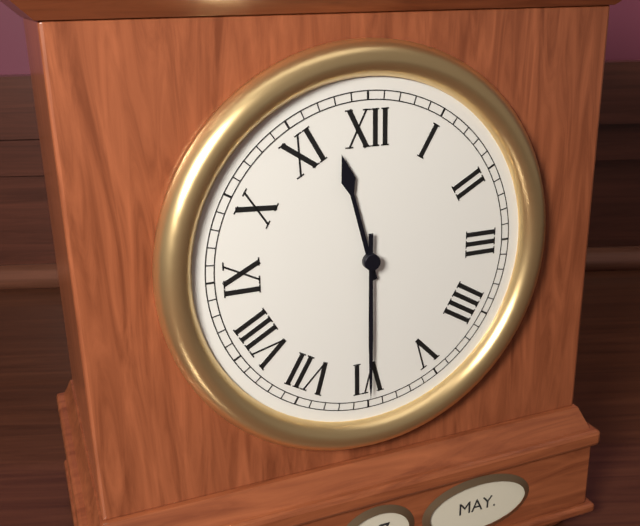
11:30
